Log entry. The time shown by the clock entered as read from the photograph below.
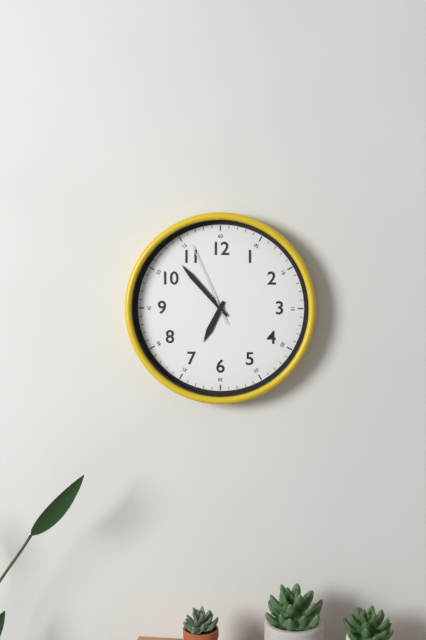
6:53:56
